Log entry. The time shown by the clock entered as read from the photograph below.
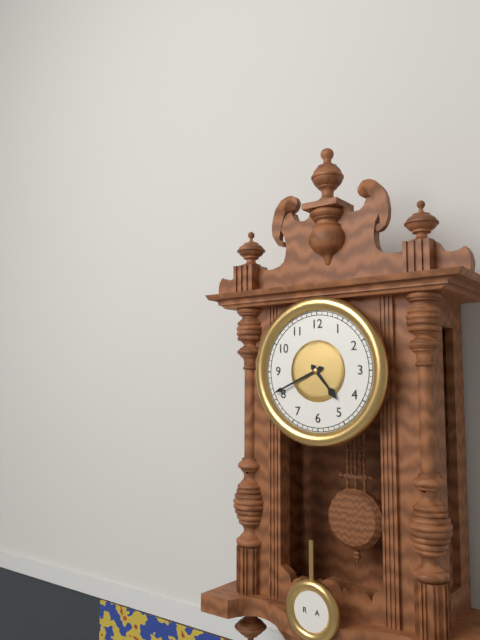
4:41
